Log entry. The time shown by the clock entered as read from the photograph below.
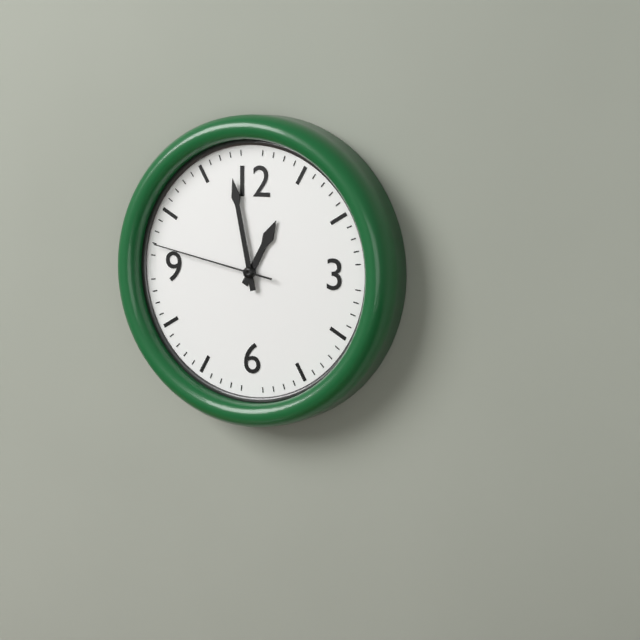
12:58:47
